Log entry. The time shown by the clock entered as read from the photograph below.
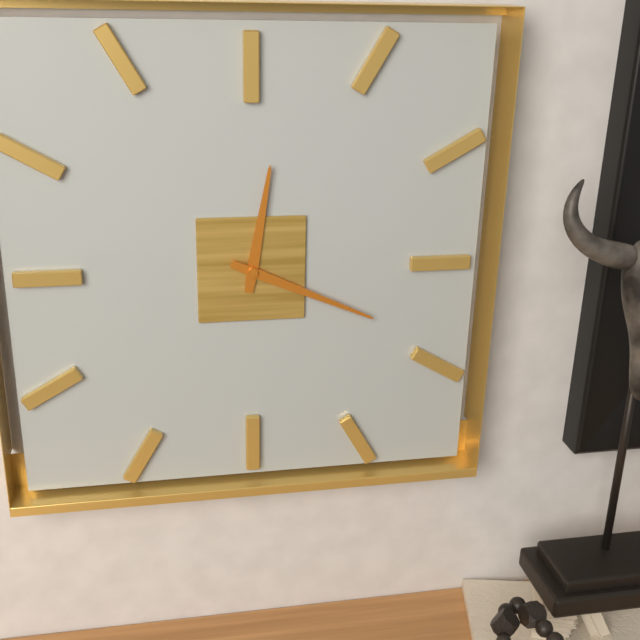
12:19
